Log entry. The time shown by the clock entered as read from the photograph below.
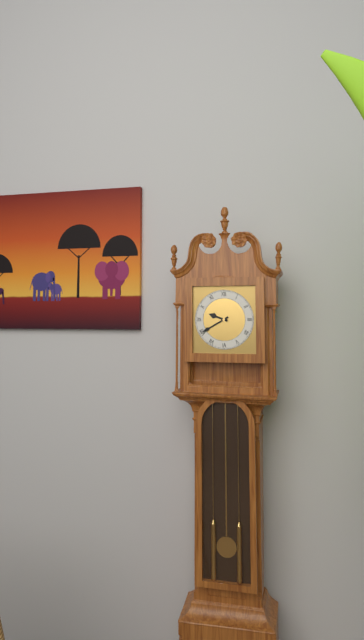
9:40
